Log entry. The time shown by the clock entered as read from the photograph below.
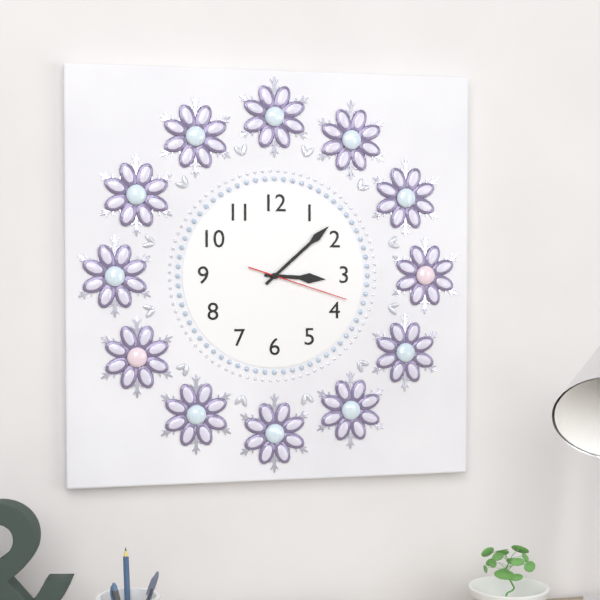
3:08:18
